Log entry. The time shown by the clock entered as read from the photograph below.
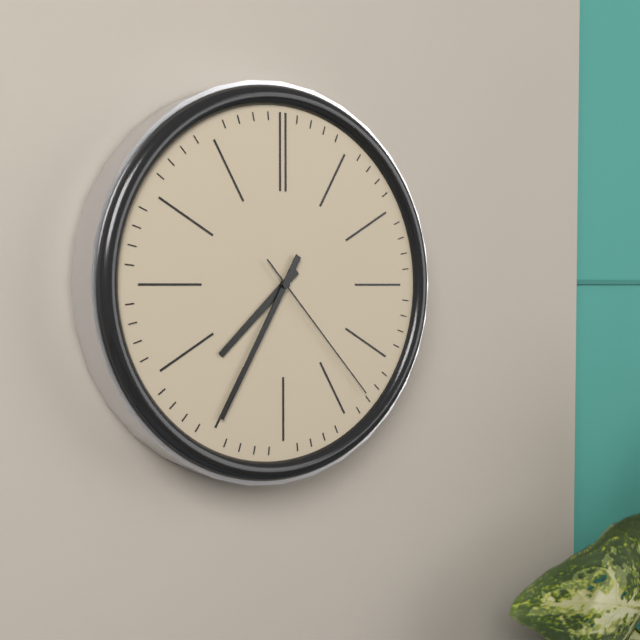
7:35:23
